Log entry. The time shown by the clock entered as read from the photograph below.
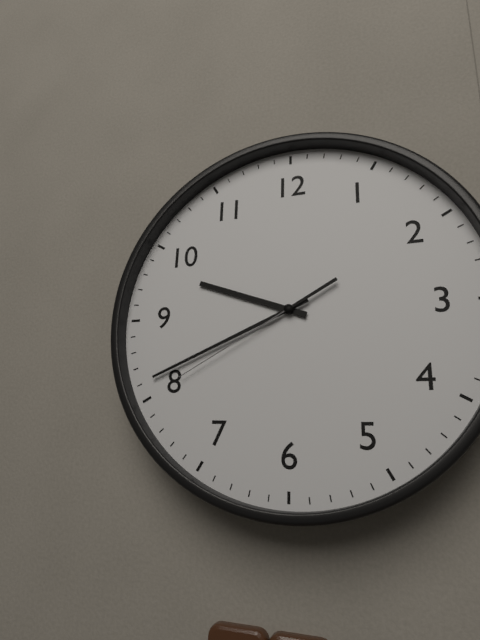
9:41:40
